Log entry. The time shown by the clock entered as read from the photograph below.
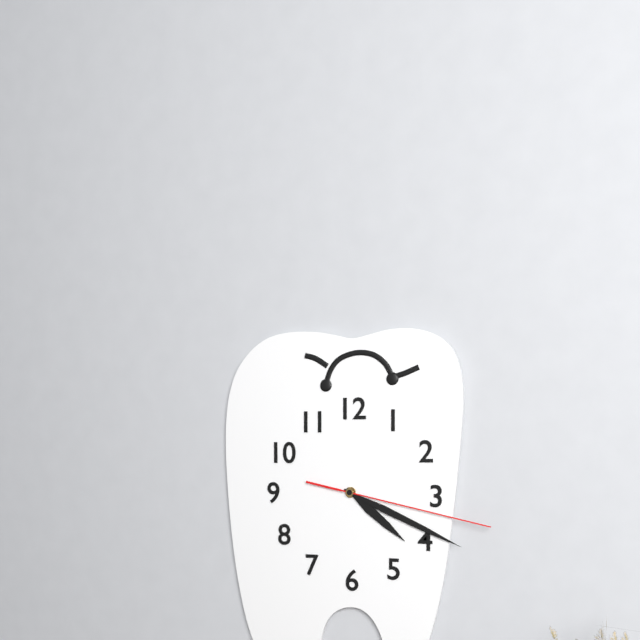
4:19:17
